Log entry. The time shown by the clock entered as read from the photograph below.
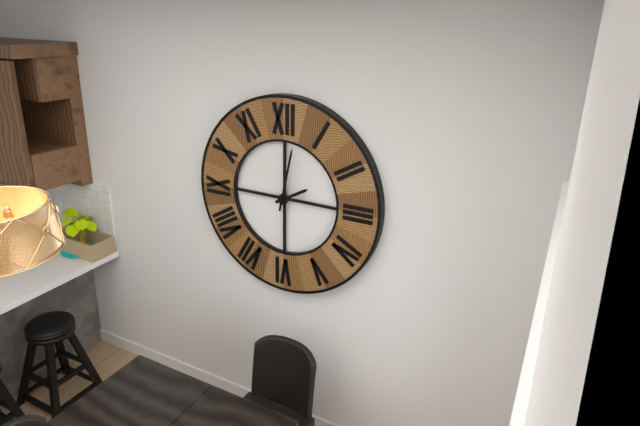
2:02
